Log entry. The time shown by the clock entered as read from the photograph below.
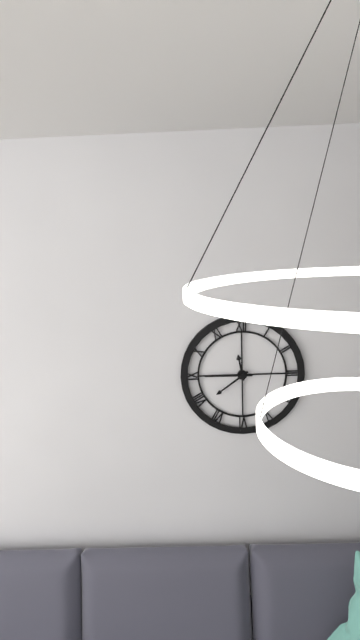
11:39
